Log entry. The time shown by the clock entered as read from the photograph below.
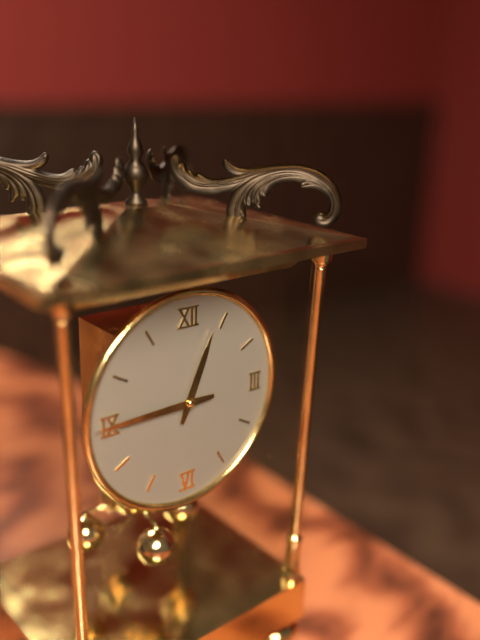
12:45
